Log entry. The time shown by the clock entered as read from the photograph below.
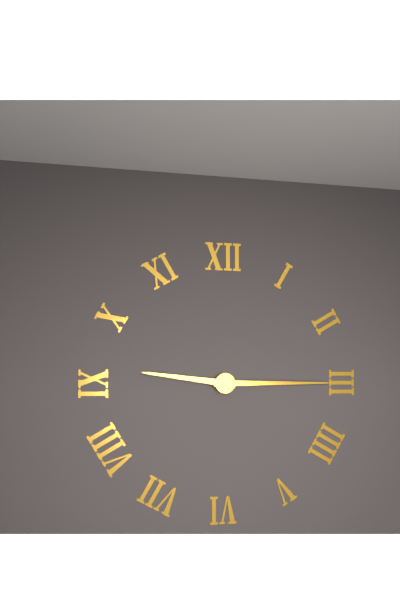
9:15
